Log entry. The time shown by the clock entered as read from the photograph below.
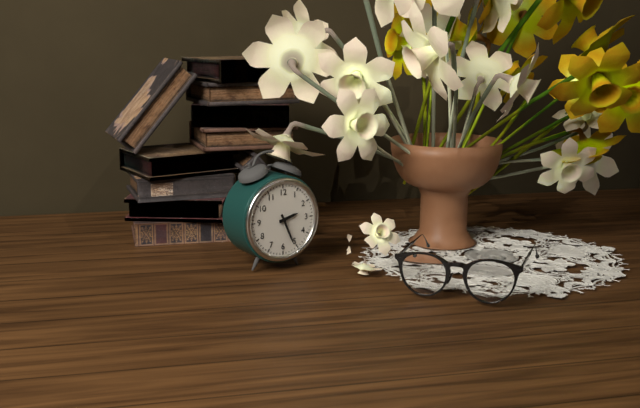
2:26
